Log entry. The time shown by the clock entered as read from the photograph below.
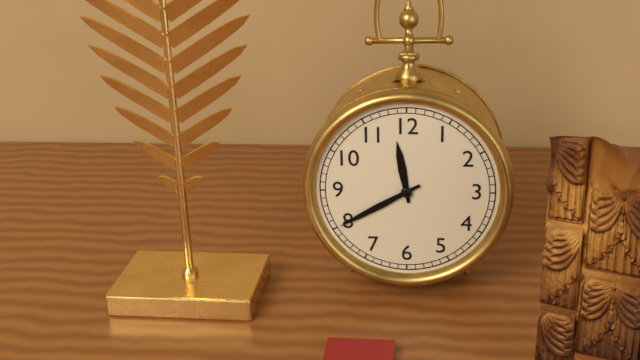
11:40
